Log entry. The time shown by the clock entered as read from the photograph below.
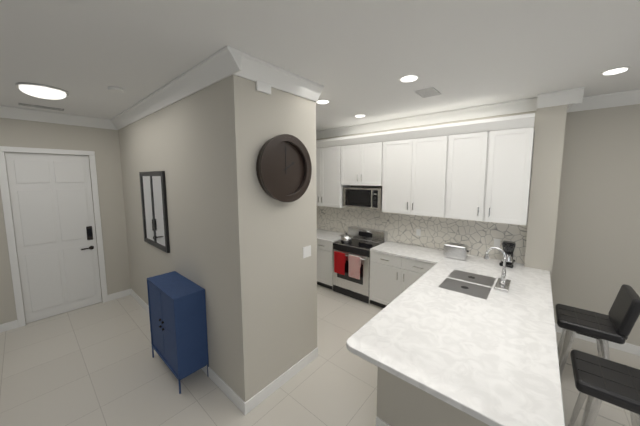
2:00
